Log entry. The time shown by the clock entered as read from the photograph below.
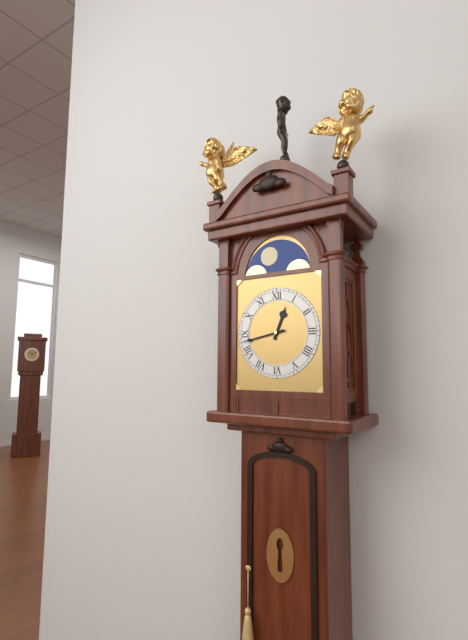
12:43
